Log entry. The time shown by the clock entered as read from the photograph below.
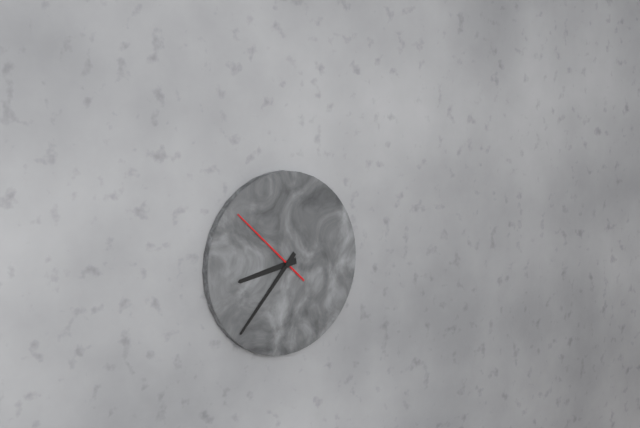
8:37:52
